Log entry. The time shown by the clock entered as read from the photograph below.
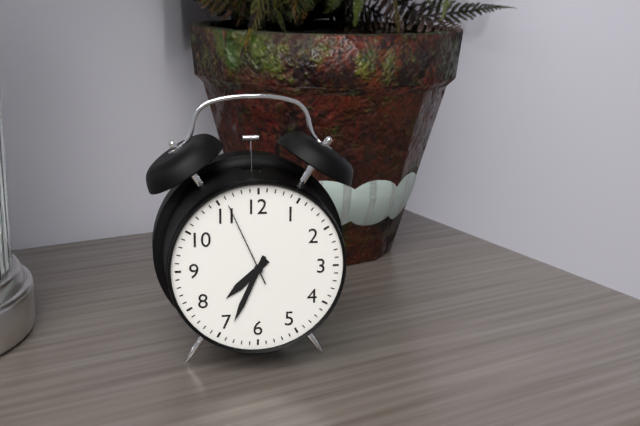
7:34:56
